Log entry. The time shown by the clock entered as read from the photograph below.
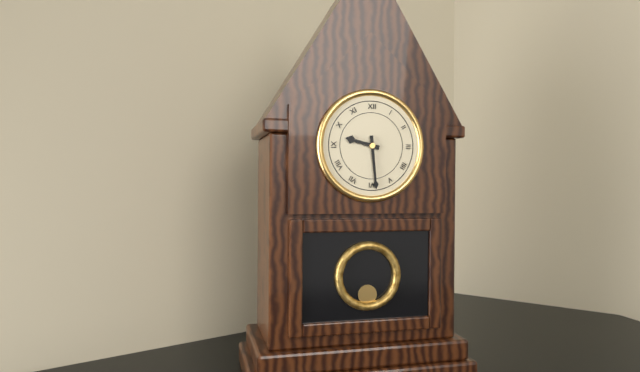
9:29
